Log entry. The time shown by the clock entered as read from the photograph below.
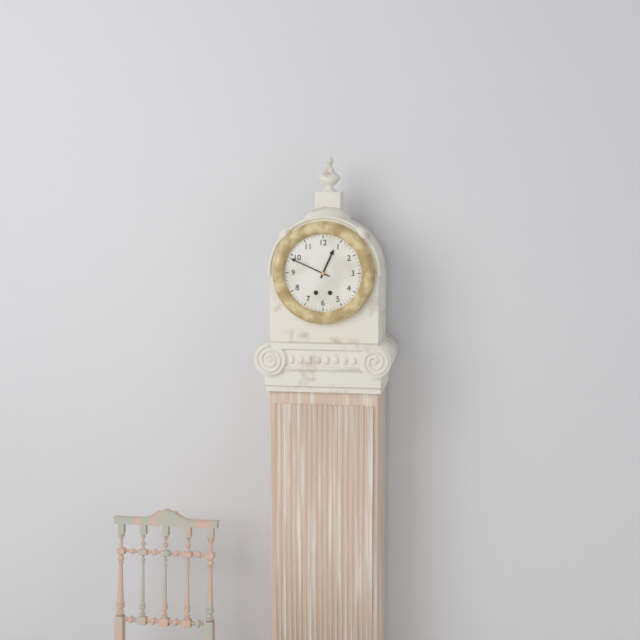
12:49
